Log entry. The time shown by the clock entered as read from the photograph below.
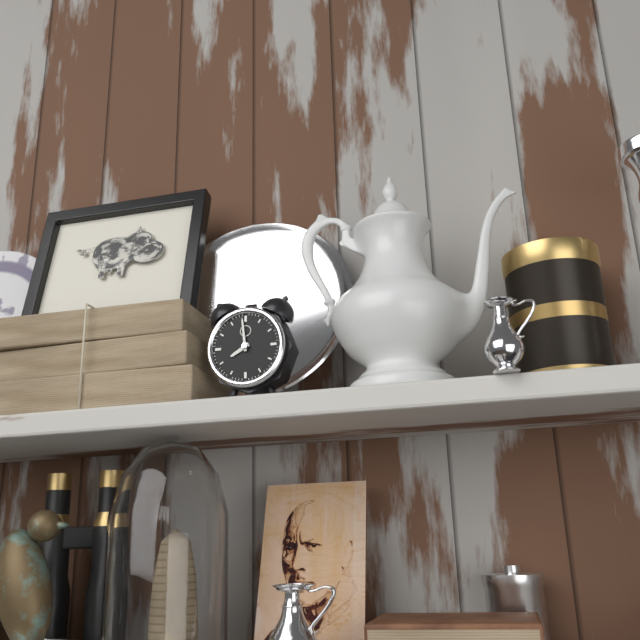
7:59
